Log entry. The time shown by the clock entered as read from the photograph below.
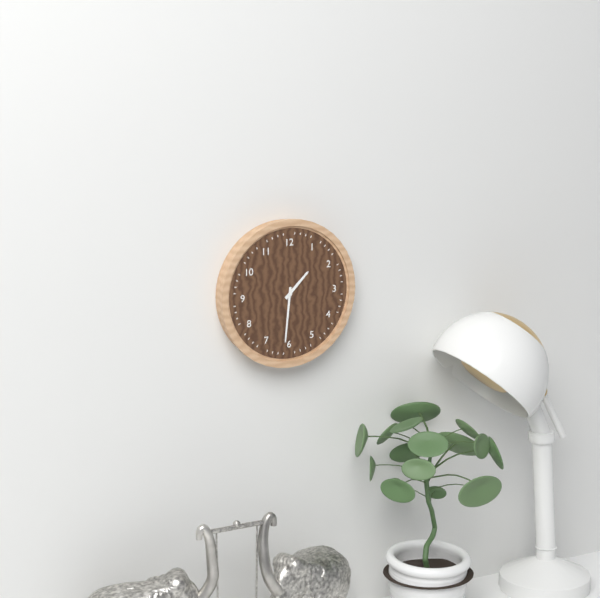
1:31
